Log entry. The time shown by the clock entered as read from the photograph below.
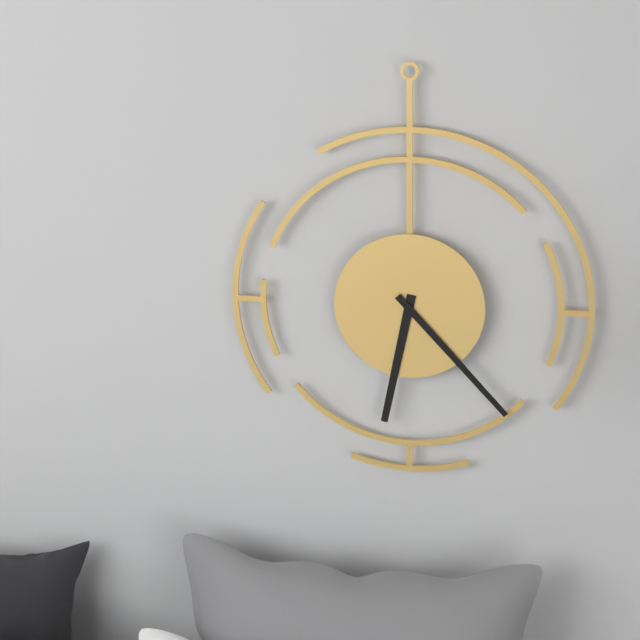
6:23
